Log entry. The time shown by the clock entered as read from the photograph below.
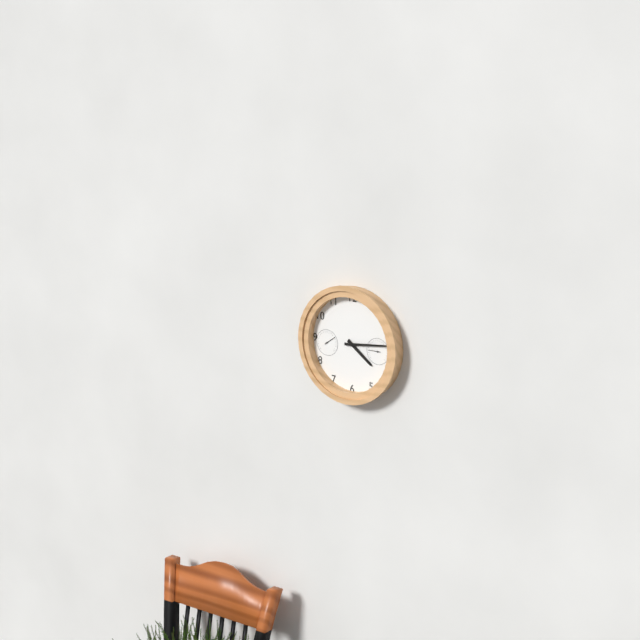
4:14
